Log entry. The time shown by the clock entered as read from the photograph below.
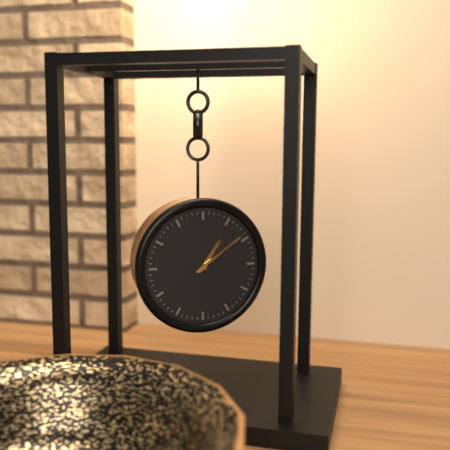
1:09
